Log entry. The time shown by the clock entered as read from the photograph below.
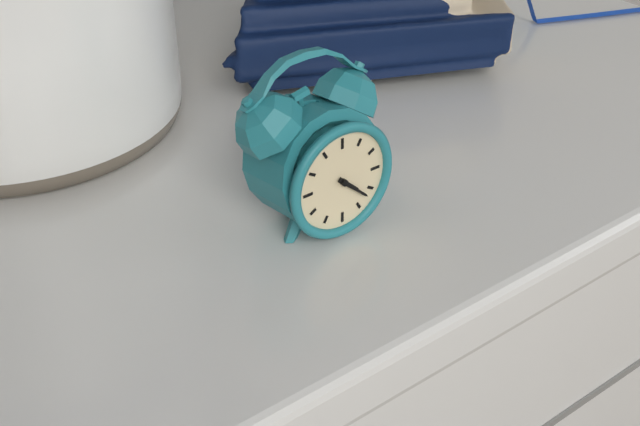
4:22
